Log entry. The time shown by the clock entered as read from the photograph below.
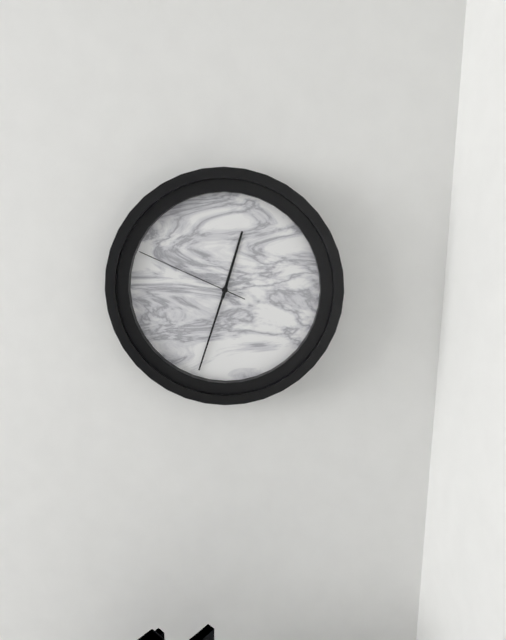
12:33:49
